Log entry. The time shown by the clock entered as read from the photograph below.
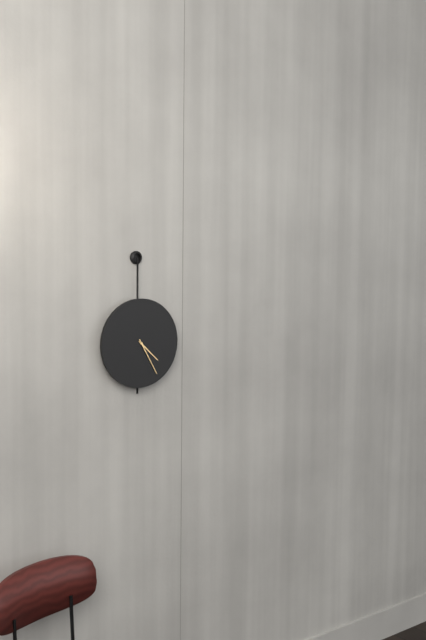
4:25
